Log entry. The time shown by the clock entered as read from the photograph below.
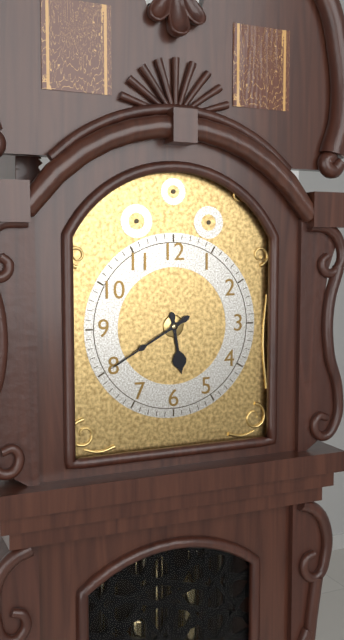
5:40
